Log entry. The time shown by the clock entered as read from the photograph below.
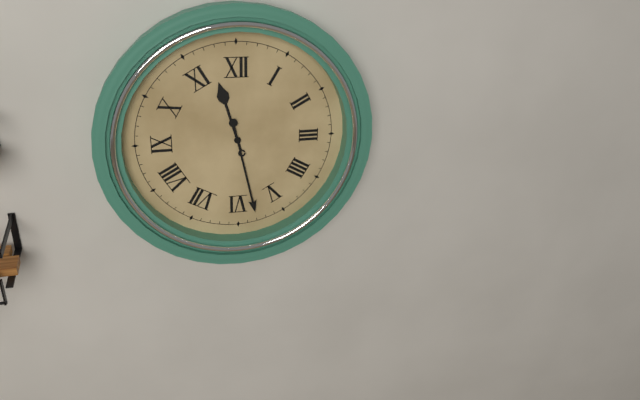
11:28
